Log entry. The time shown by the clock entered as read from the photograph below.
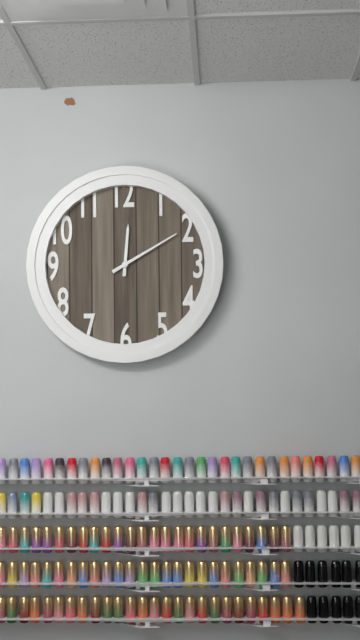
12:10
